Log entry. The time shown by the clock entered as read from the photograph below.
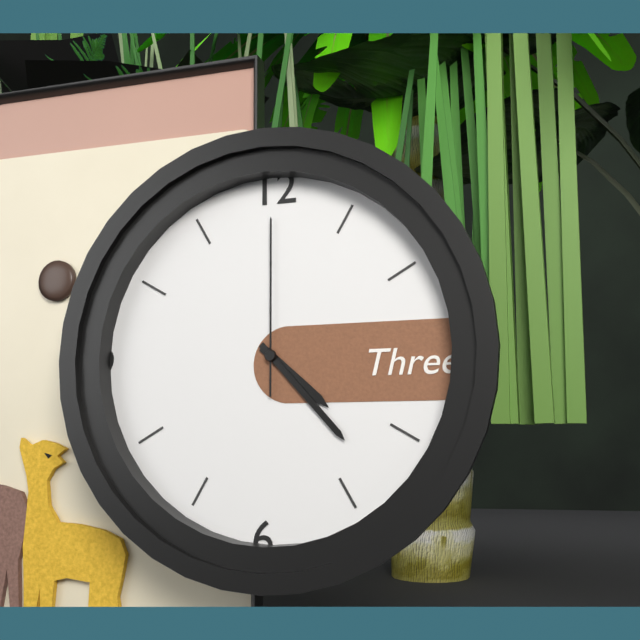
4:23:00
